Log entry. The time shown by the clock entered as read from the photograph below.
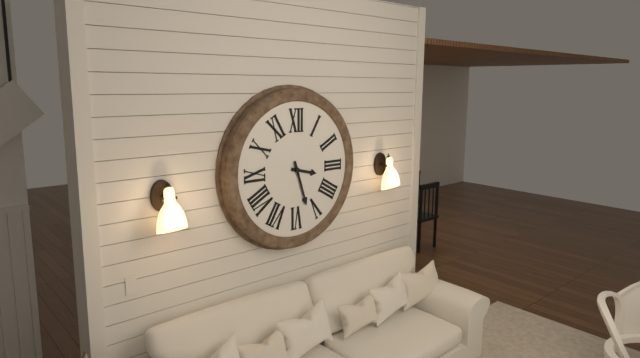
3:27
